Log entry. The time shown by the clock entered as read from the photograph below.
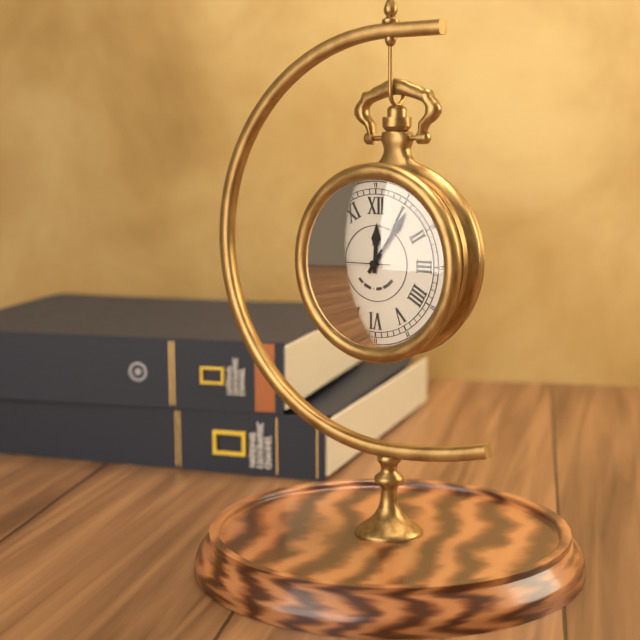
12:06:45
